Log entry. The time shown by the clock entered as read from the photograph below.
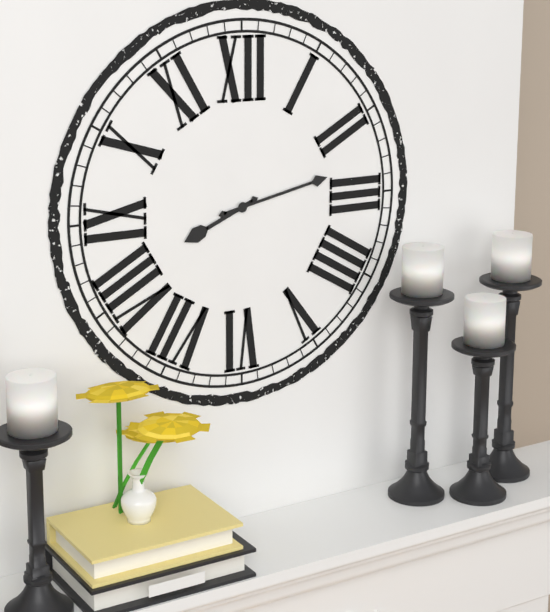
8:13
